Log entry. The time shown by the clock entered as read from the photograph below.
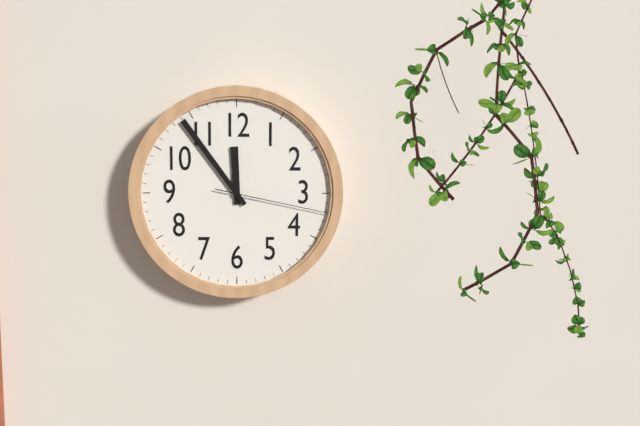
11:54:17
